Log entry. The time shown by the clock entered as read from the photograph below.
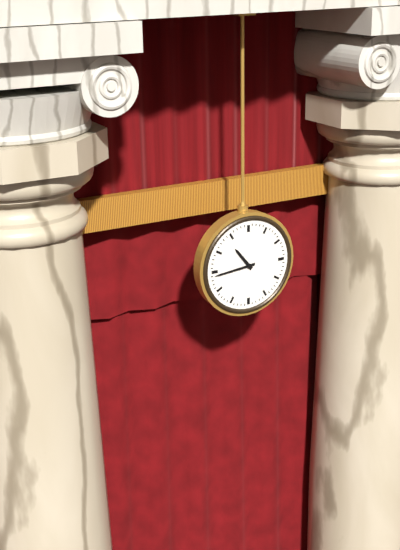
10:44
